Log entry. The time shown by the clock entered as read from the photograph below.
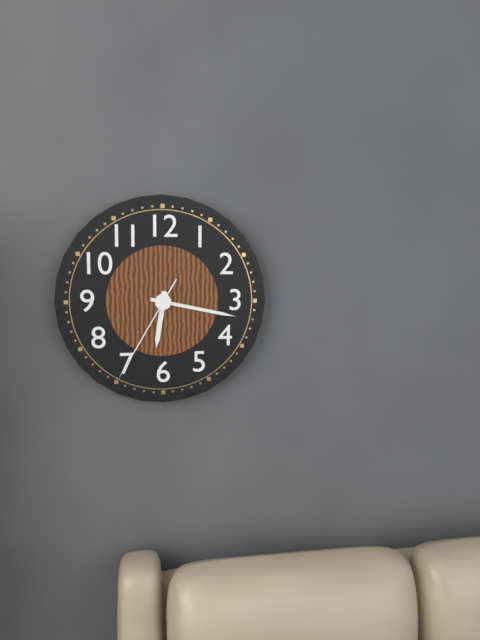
6:17:35
